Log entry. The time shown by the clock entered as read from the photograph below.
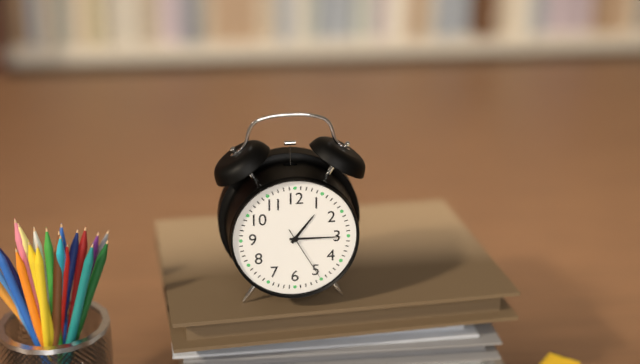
1:15:25
